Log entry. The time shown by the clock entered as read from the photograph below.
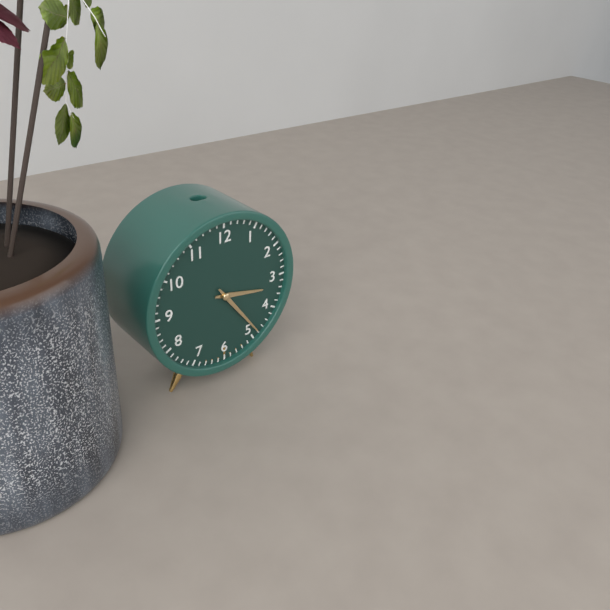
3:24
